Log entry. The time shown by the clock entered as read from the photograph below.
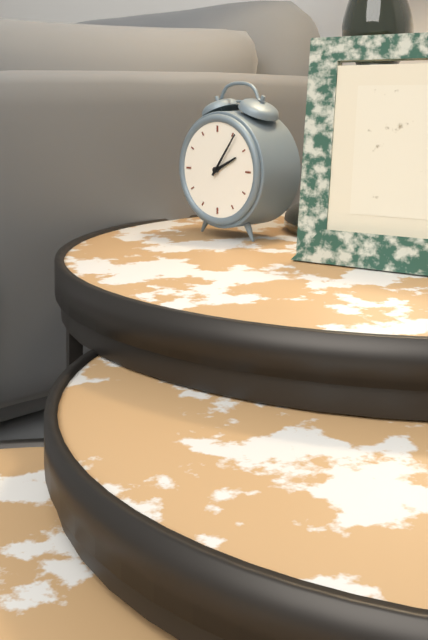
2:06
